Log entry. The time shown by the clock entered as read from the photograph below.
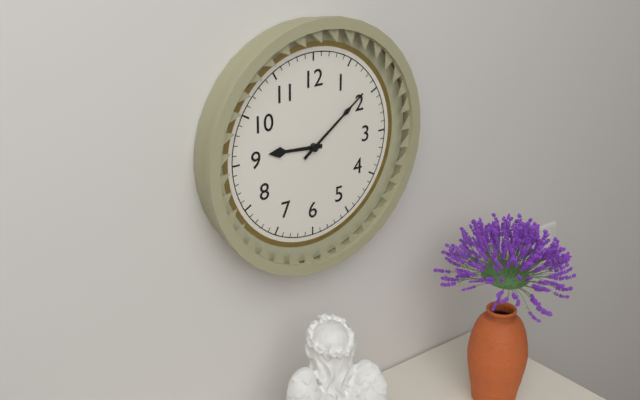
9:09
